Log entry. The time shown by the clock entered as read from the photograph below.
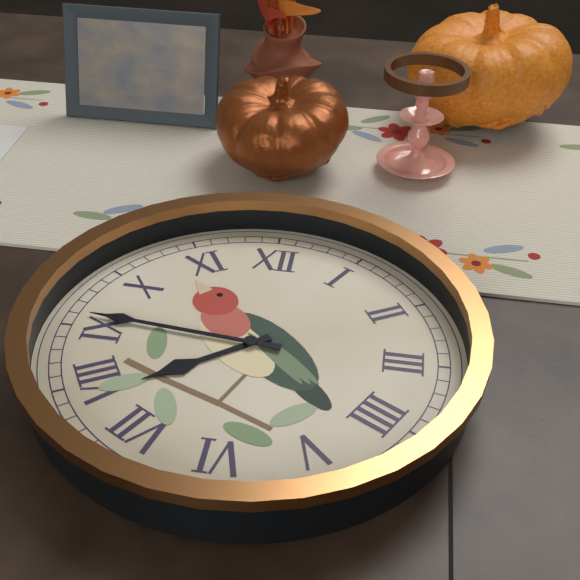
7:46
